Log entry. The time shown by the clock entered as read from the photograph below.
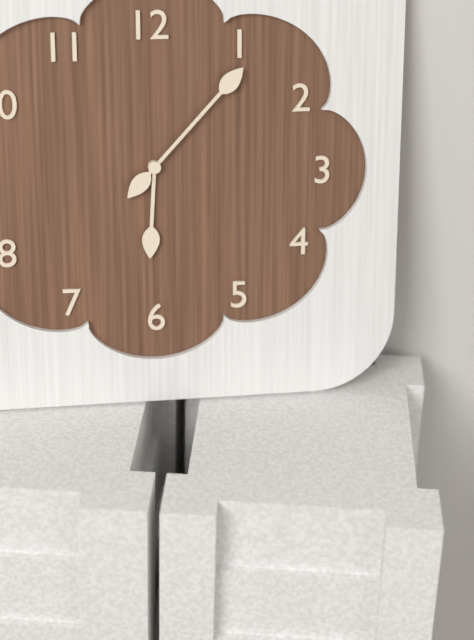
6:07
